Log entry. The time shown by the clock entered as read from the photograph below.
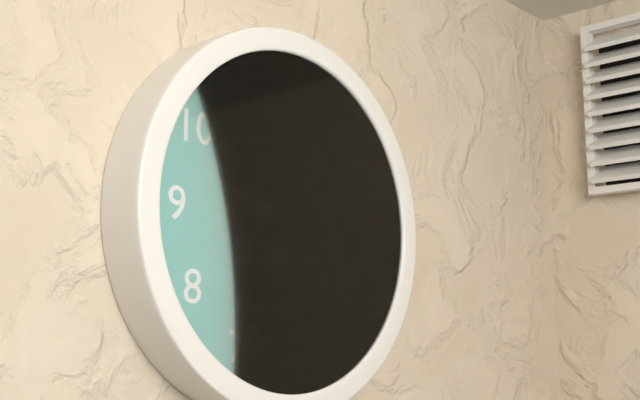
1:52:32
